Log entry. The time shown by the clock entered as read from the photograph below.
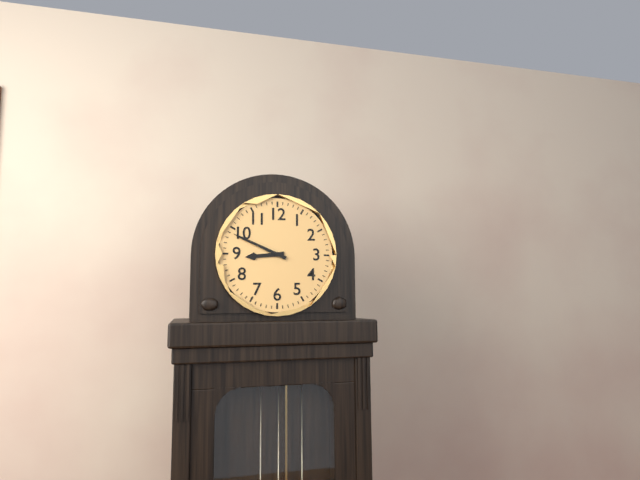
8:49
